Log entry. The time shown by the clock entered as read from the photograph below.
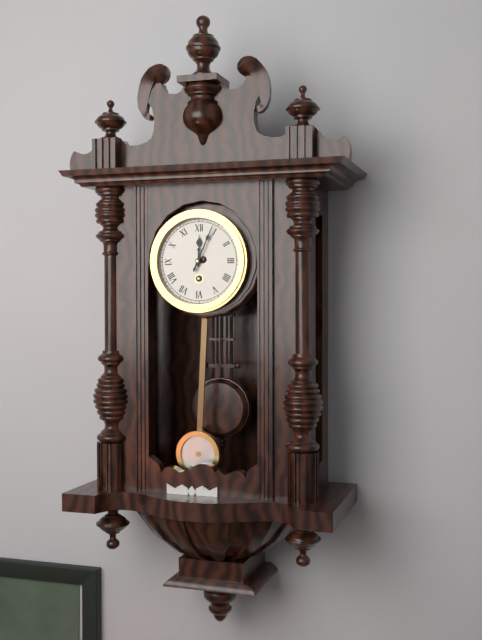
12:04
